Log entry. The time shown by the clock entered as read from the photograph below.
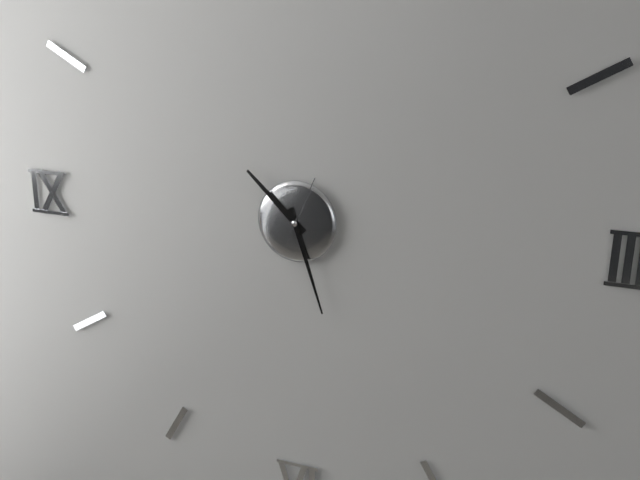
10:27:04
